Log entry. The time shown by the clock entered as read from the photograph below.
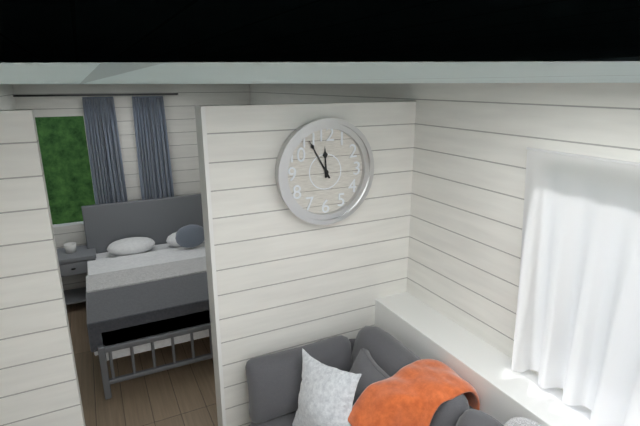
11:55
